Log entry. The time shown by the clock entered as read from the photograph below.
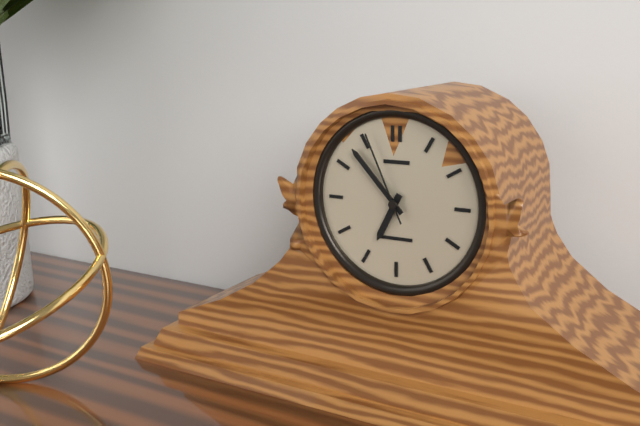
6:53:56
